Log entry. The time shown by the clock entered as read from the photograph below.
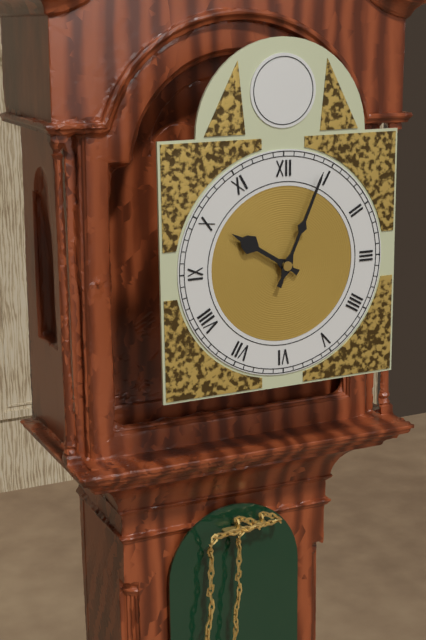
10:04
